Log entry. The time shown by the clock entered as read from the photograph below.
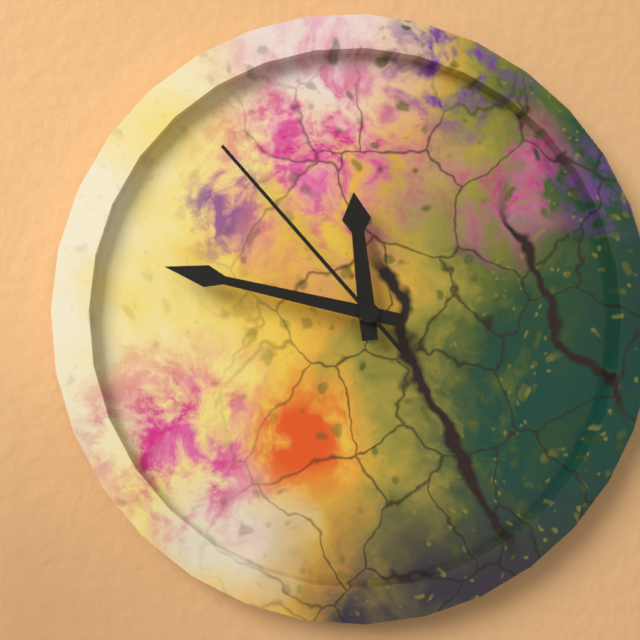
11:47:53
